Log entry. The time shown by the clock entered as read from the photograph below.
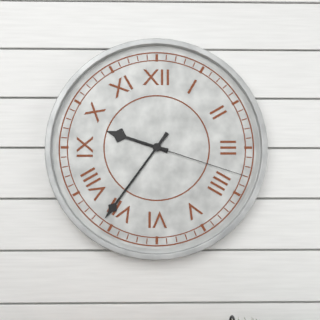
9:36:18
